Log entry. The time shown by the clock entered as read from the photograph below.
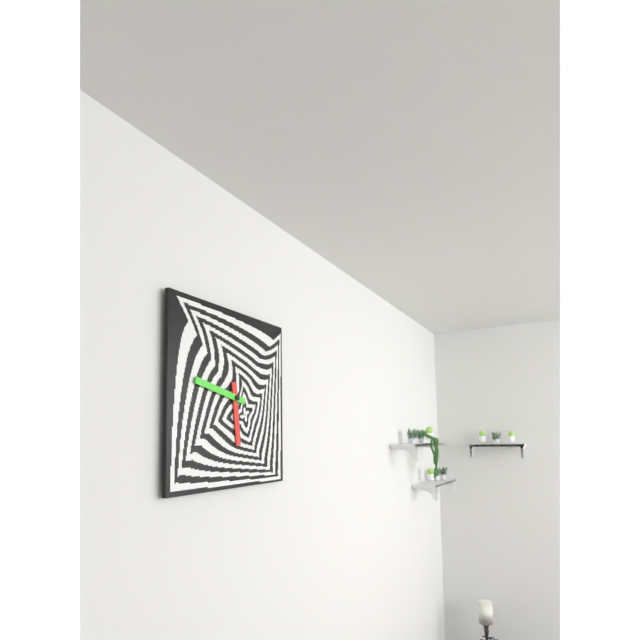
5:47
